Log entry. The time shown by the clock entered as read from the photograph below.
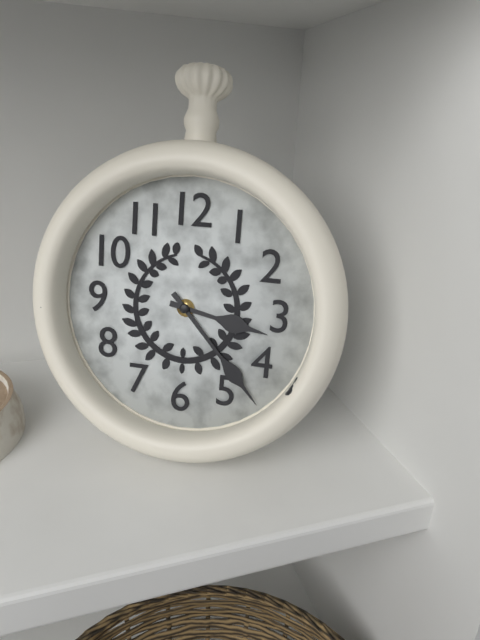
3:23
